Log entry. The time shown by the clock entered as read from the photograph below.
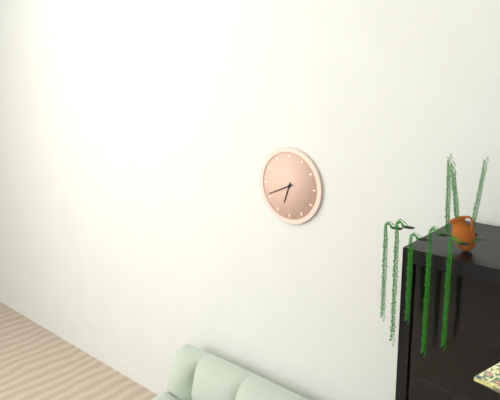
6:41
